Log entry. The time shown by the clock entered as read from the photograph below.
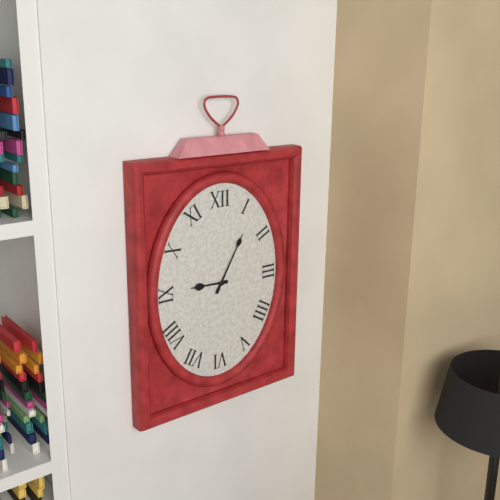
9:05
